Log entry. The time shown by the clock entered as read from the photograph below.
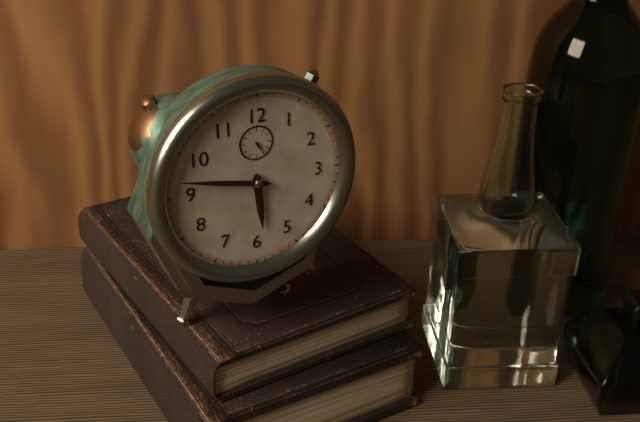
5:47
